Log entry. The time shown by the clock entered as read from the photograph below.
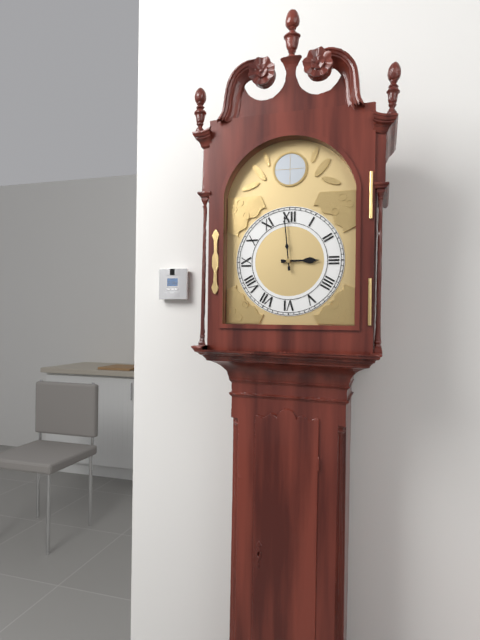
2:59
